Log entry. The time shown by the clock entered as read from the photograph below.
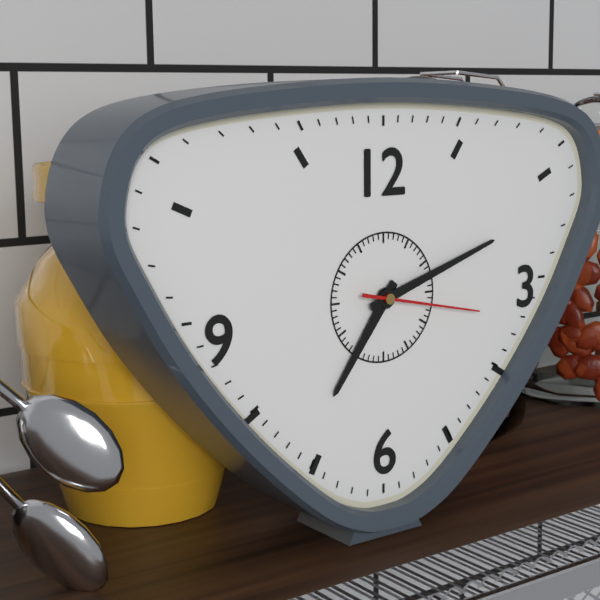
7:12:17
